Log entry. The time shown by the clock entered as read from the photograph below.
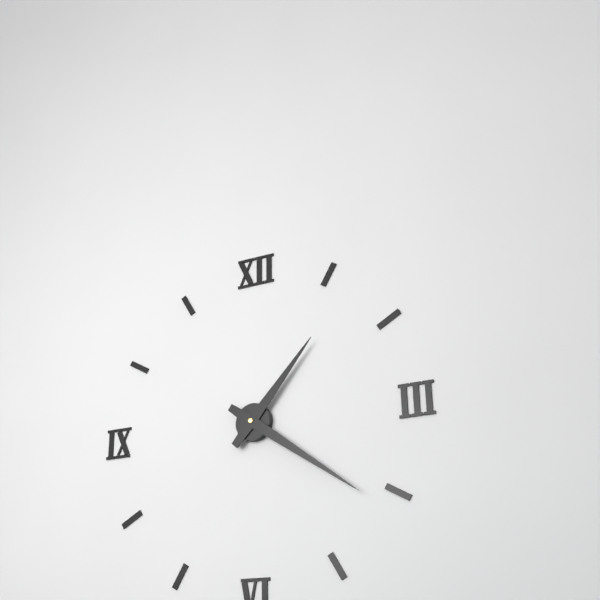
1:21
